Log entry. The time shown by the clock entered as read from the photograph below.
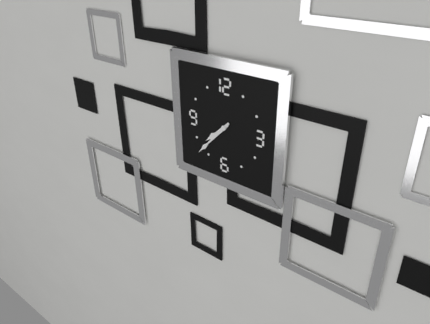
7:37
